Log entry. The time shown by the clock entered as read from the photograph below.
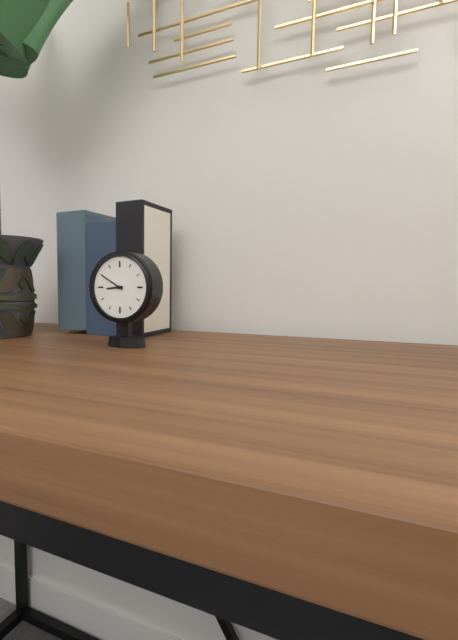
8:50
